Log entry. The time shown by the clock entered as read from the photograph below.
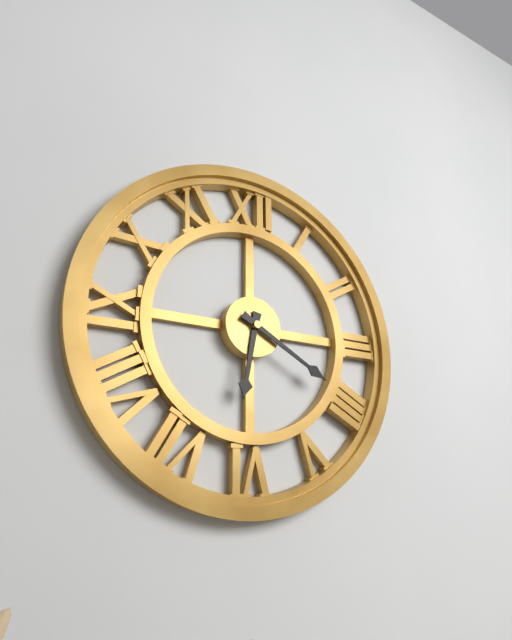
6:20
